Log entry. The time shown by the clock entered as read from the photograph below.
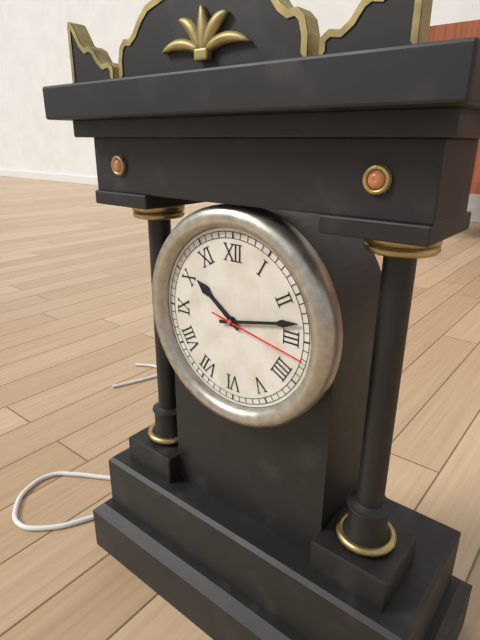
10:13:17
